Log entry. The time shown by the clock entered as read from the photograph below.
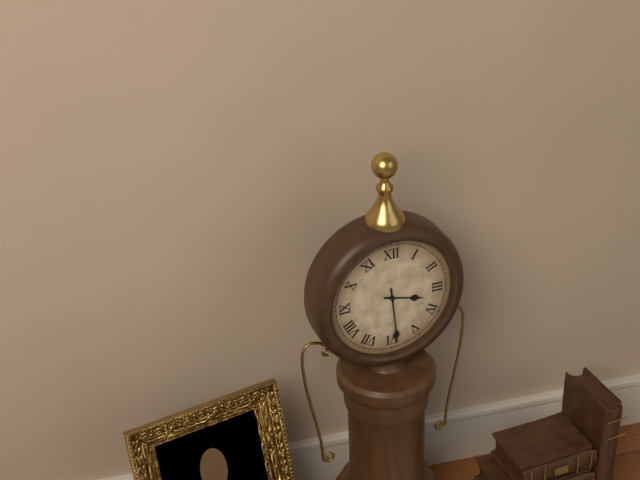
3:29
